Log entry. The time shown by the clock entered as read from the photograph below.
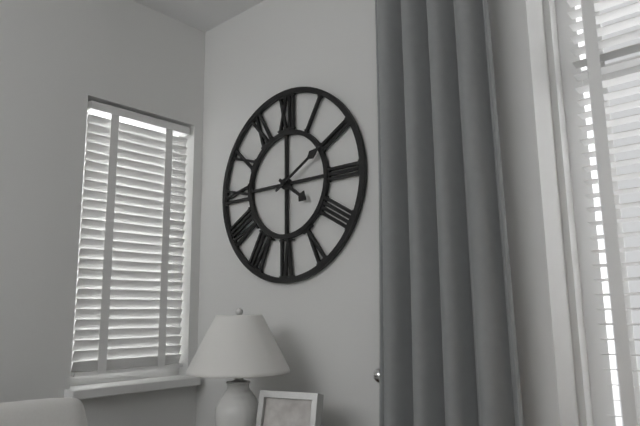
4:10
